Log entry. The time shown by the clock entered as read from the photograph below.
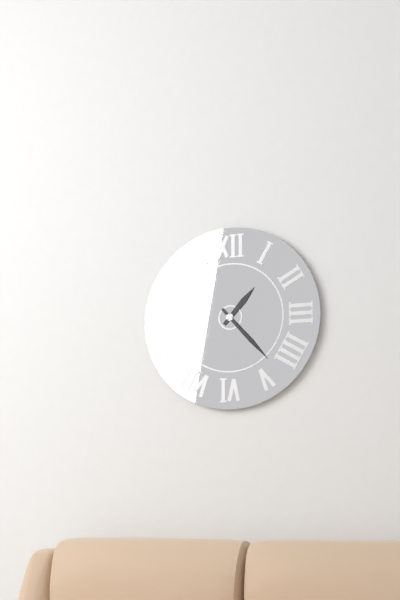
1:23
